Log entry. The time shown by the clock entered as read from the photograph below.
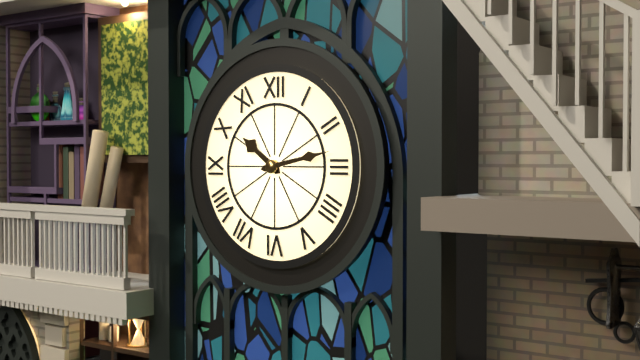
10:13
